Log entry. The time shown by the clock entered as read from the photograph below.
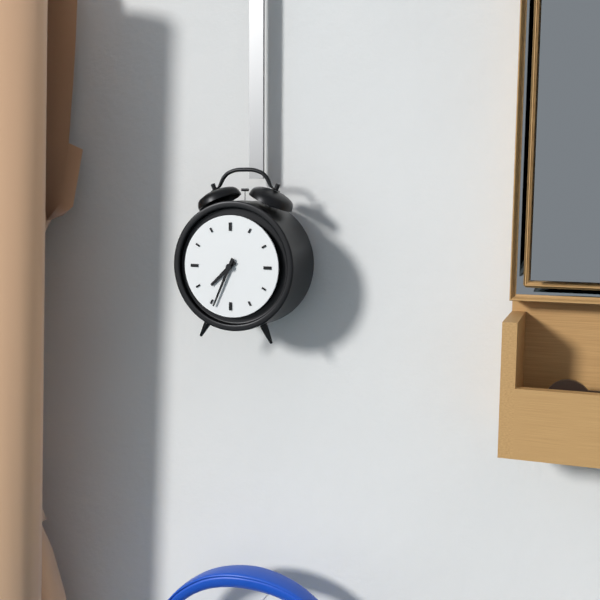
7:34
